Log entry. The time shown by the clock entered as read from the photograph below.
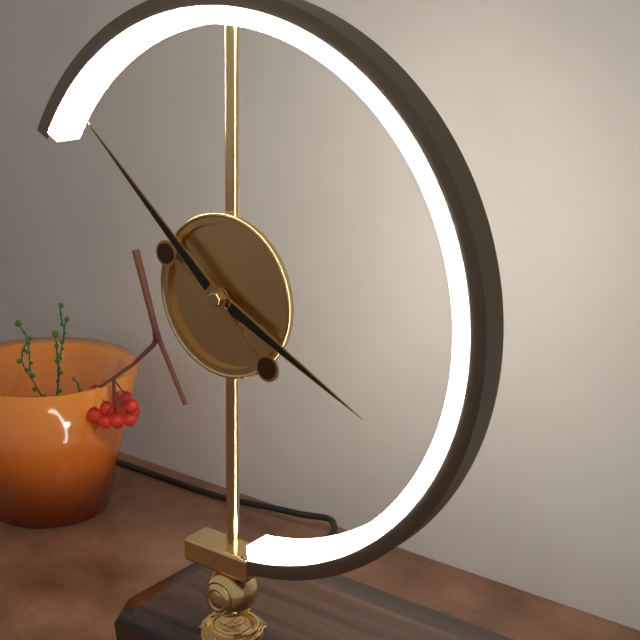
3:52
